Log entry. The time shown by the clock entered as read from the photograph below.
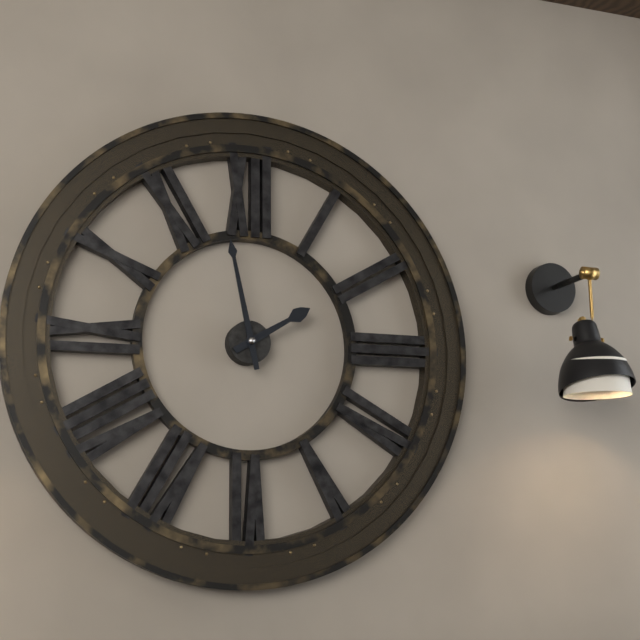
1:58
